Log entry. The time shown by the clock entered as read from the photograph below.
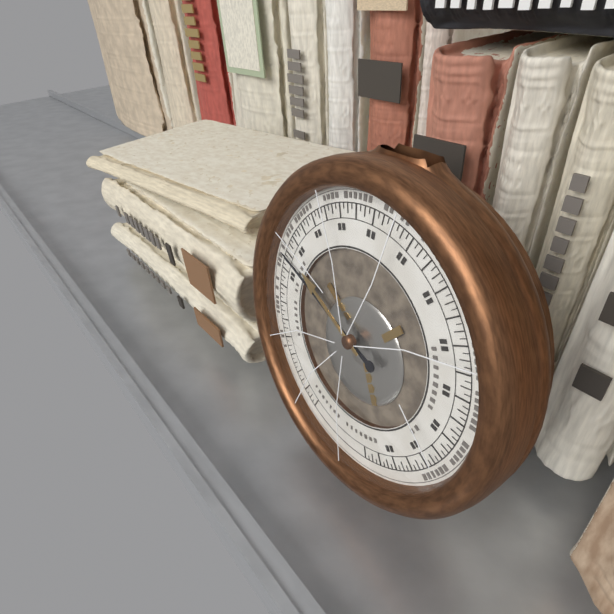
9:48
